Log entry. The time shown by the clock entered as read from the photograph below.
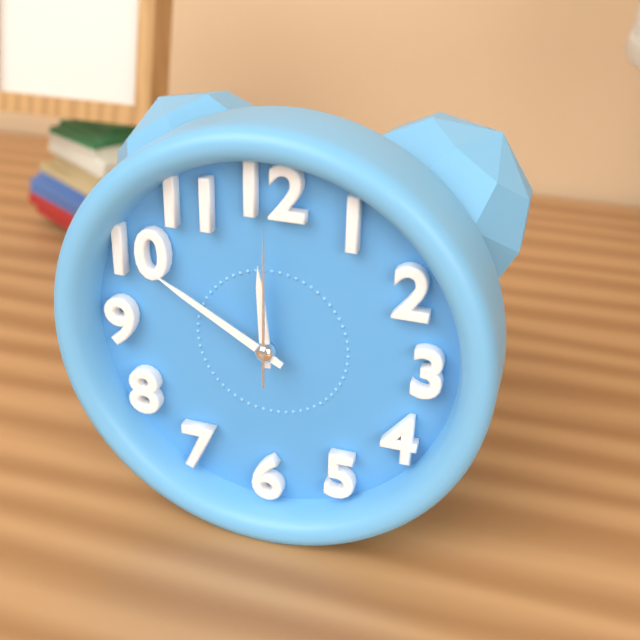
11:50:00
